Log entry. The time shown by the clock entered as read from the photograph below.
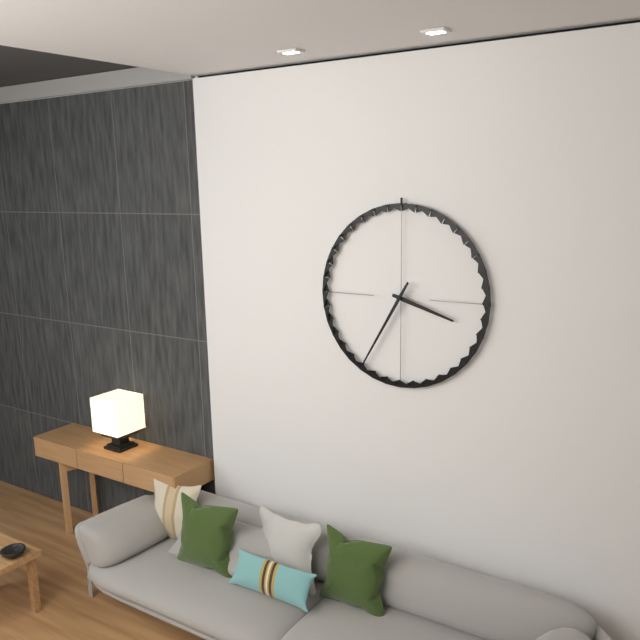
3:35
